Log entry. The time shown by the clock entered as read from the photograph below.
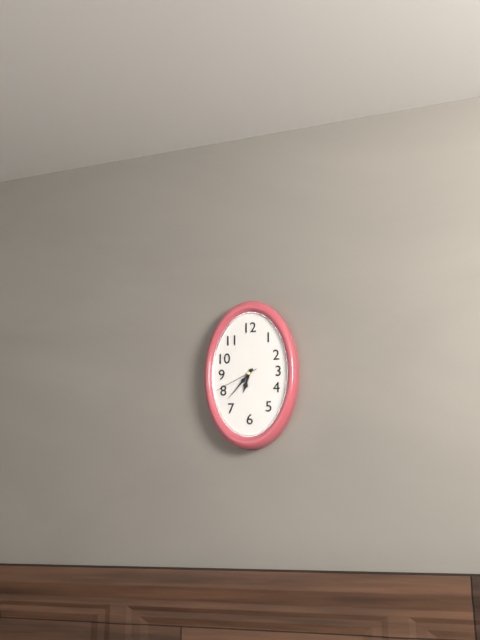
6:37
